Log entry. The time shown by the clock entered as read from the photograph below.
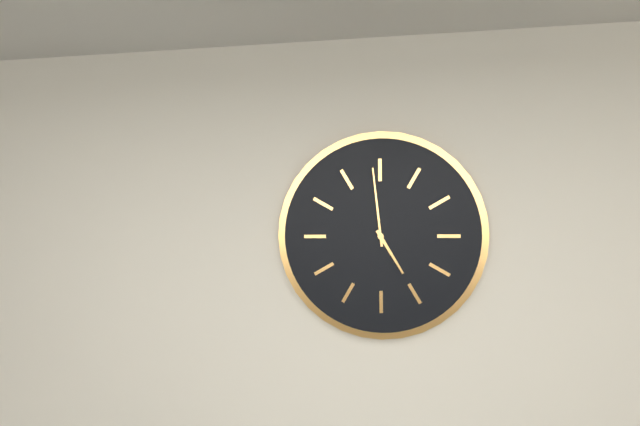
4:59
